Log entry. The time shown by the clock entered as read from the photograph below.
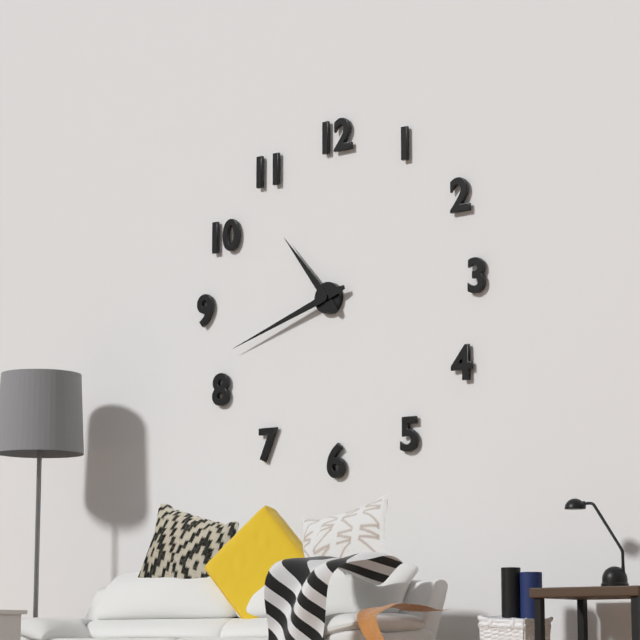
10:42
